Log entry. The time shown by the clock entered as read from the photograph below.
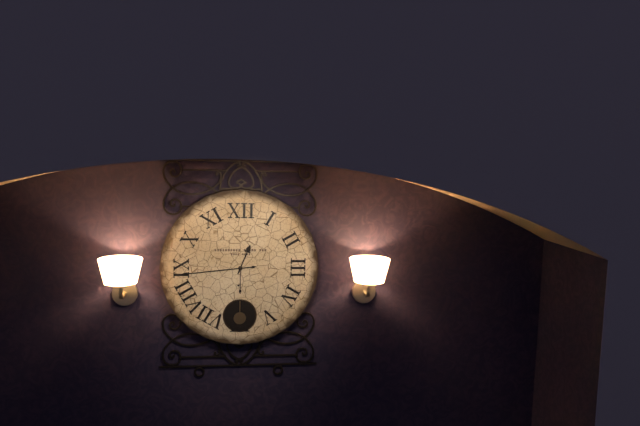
12:44
